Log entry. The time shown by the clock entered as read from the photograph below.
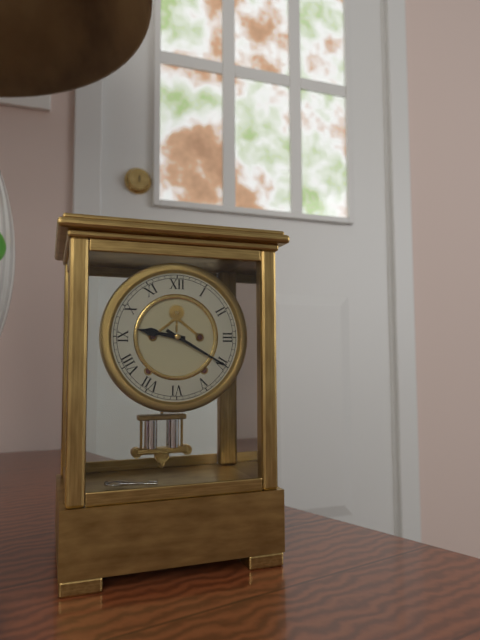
9:20
